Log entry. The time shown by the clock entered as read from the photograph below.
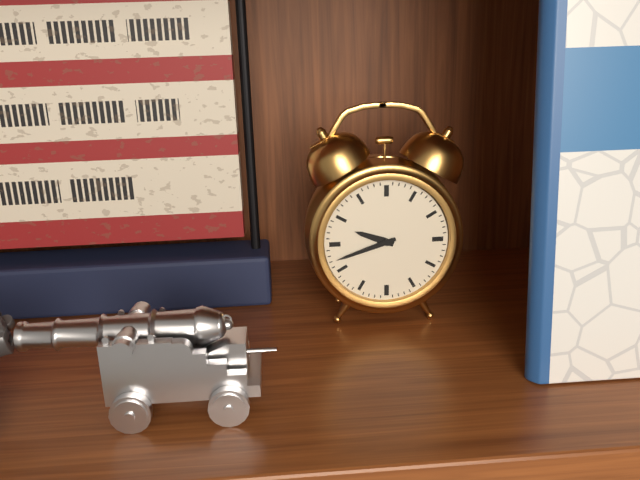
9:42
